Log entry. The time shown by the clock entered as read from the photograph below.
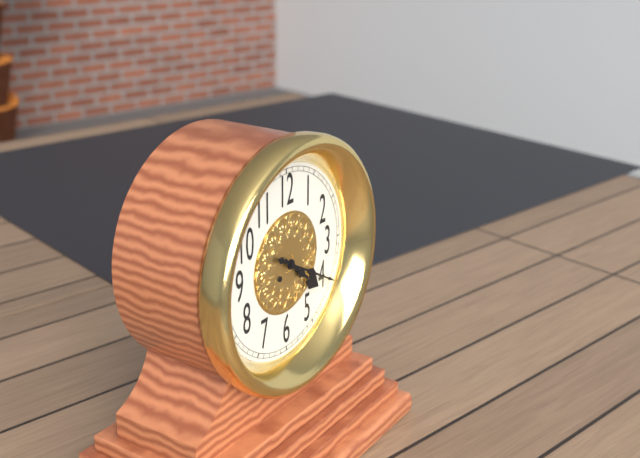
4:20
